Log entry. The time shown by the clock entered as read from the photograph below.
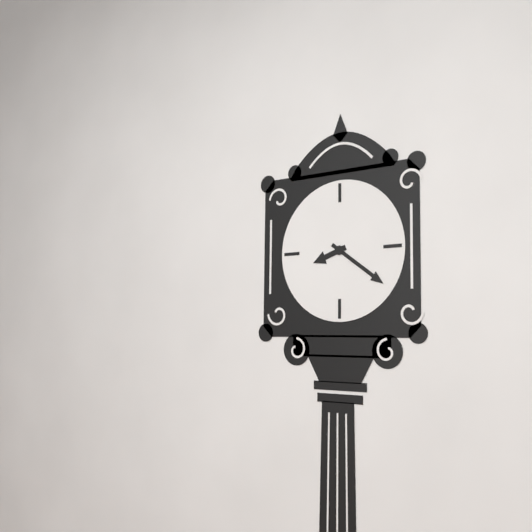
8:21
